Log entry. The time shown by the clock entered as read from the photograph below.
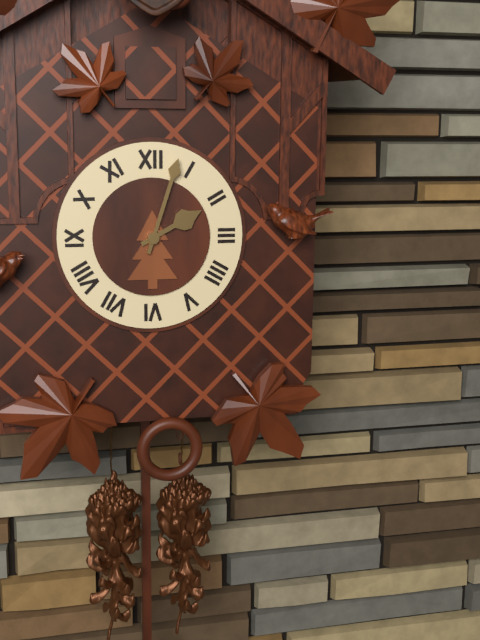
2:03
